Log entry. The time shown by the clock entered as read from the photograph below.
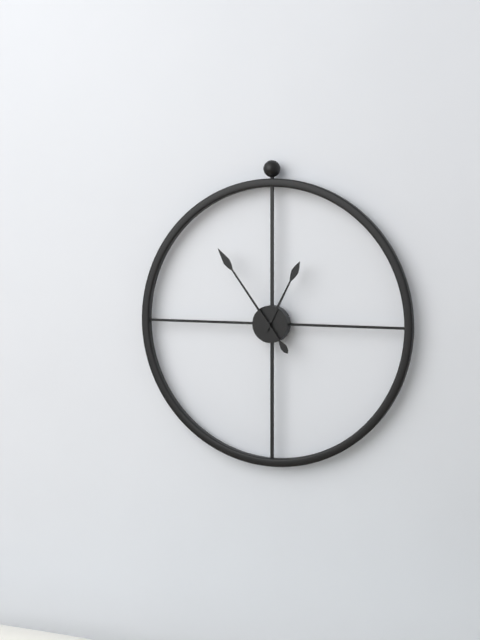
12:54
